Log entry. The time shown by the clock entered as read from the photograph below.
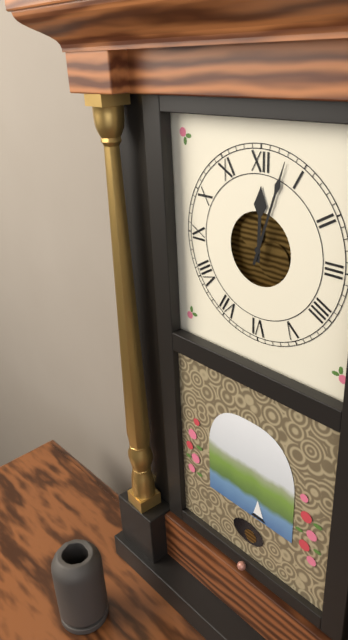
12:03
